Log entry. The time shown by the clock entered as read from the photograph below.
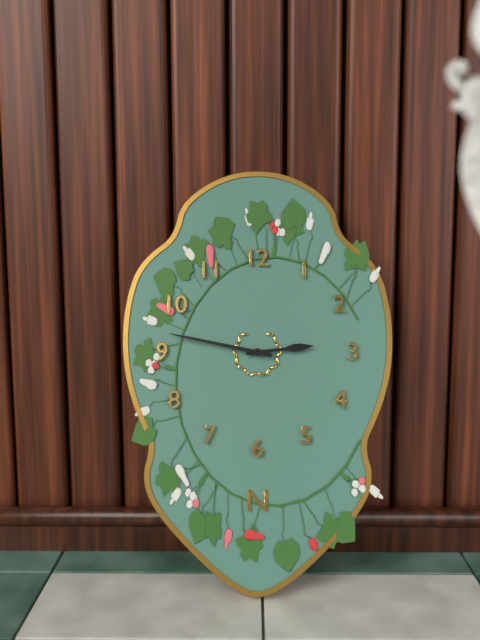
2:47
